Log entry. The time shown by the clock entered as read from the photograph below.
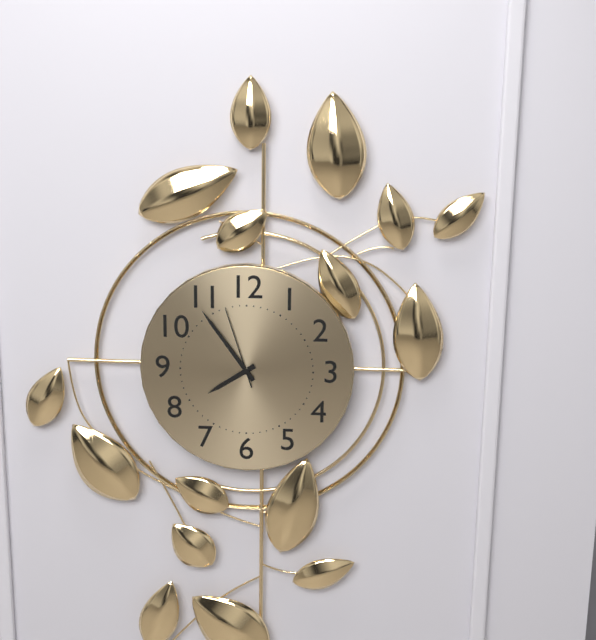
7:54:57
